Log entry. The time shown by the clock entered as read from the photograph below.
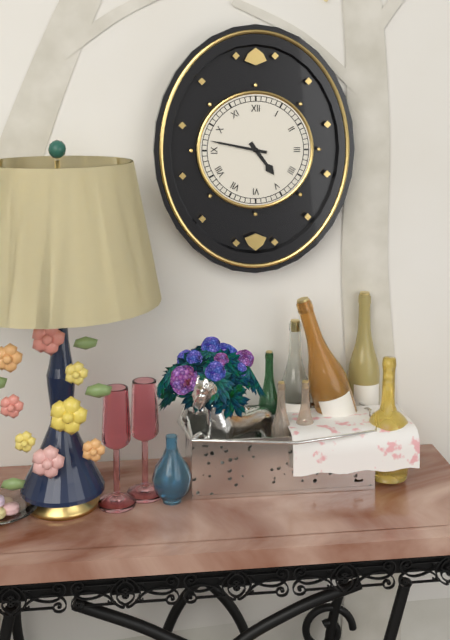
4:47
